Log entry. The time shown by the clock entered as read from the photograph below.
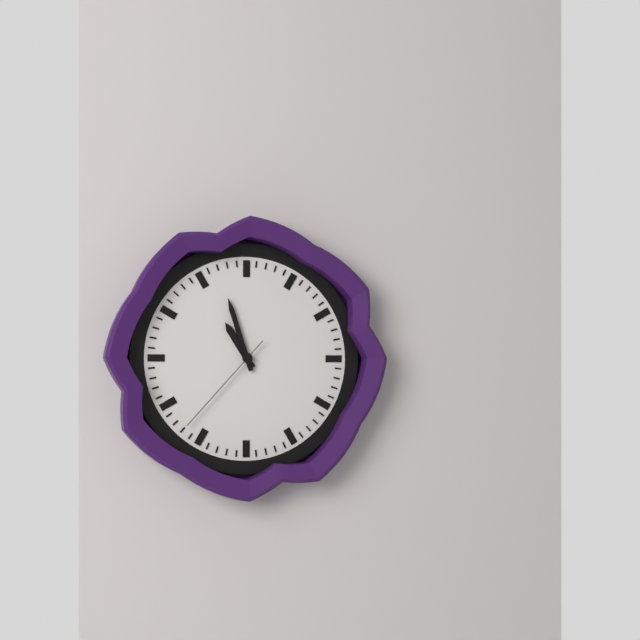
10:57:37
